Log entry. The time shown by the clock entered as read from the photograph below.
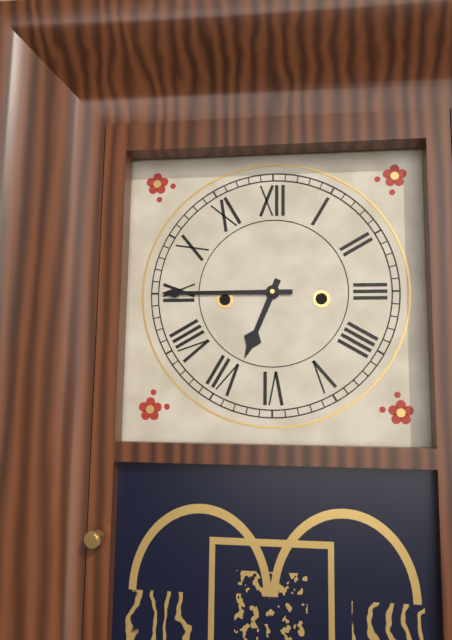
6:45
